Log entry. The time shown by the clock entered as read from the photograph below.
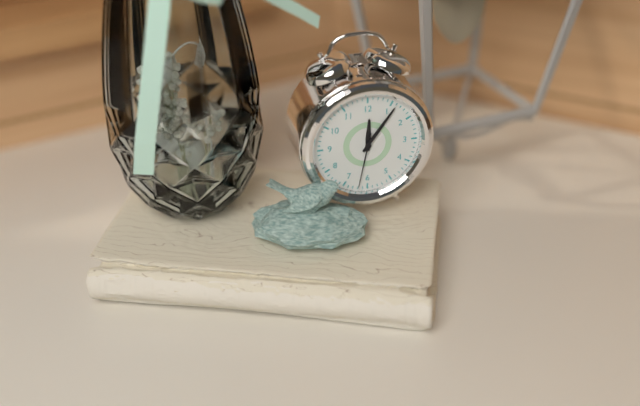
12:06:32
